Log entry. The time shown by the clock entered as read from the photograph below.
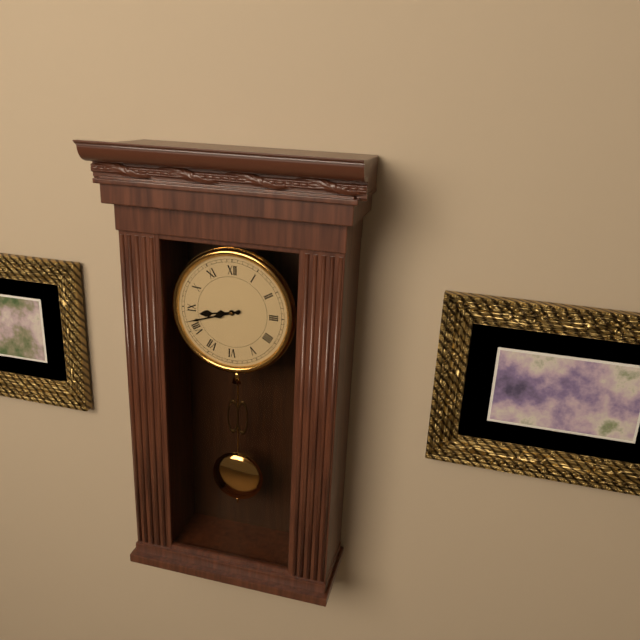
8:42
